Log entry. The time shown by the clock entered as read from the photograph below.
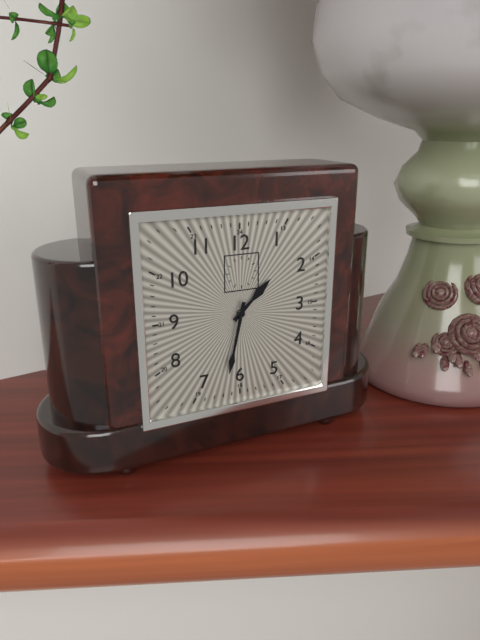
1:32
